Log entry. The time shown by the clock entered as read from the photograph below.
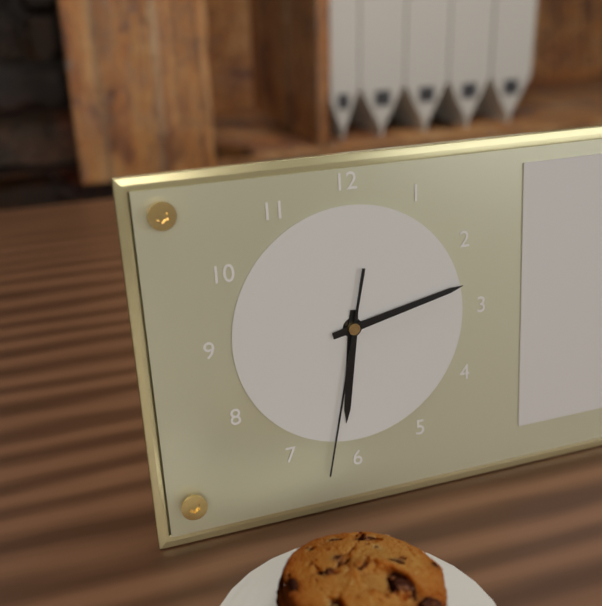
6:13:32
